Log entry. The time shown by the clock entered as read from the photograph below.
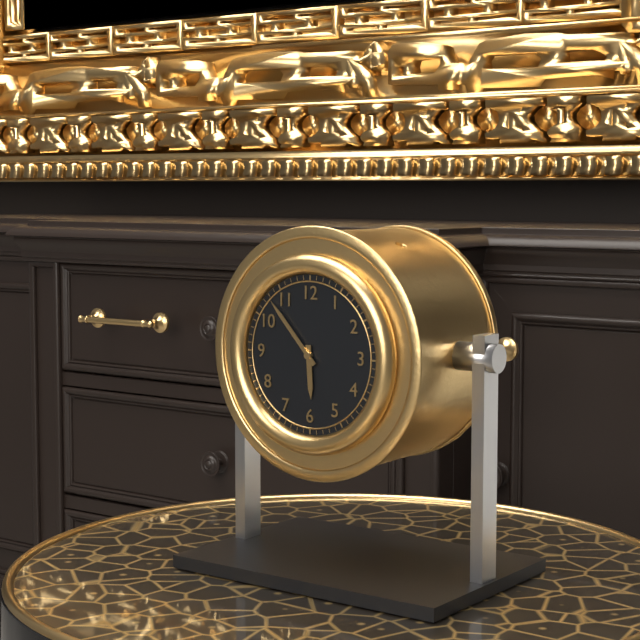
5:53
